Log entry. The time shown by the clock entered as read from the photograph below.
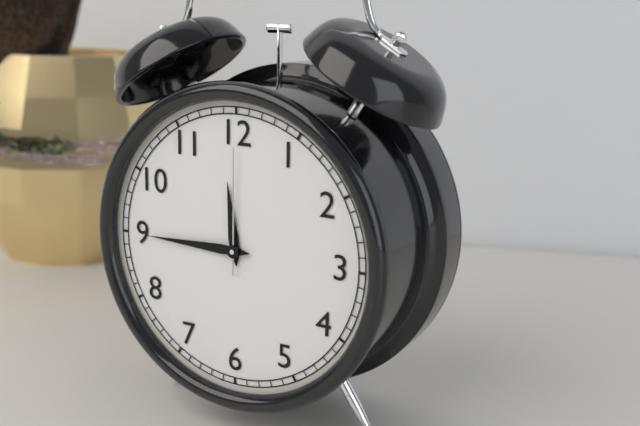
11:45:00
